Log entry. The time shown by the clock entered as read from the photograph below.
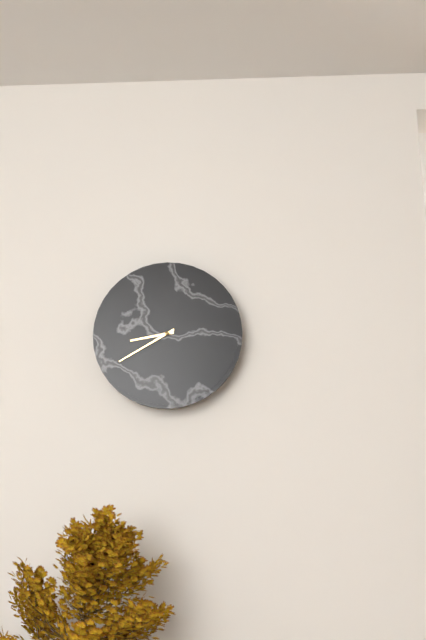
8:40
